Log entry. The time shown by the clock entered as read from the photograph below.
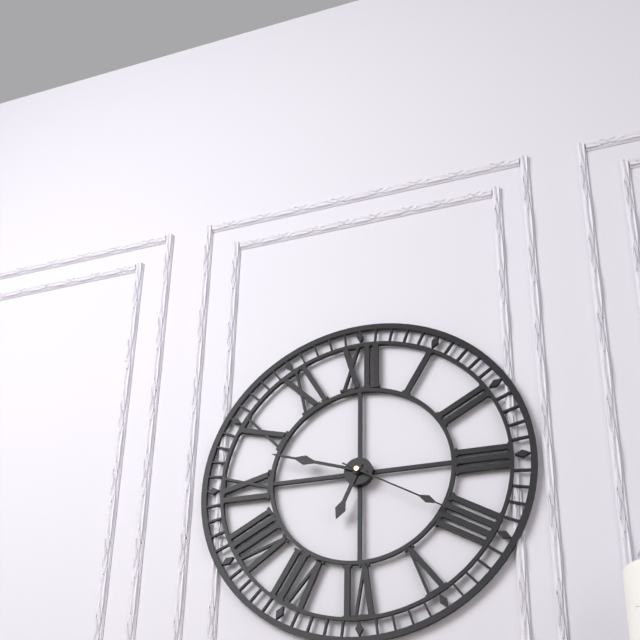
6:48:20
